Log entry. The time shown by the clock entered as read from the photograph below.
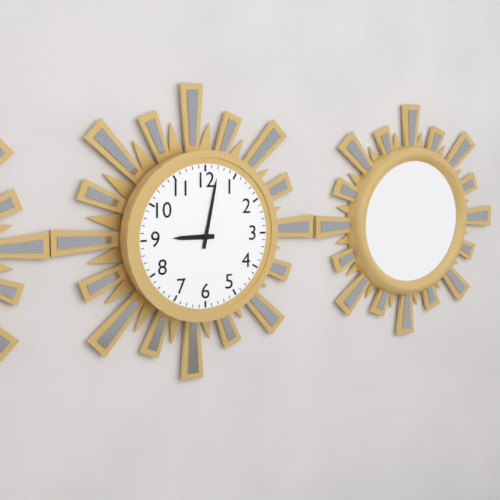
9:02
